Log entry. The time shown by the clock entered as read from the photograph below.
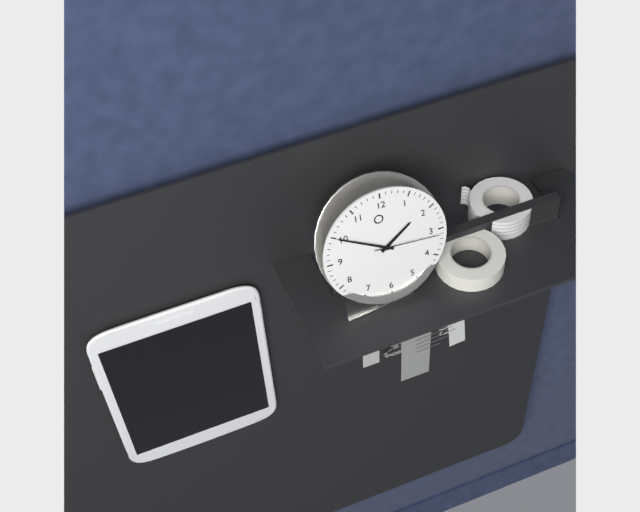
1:50:16
